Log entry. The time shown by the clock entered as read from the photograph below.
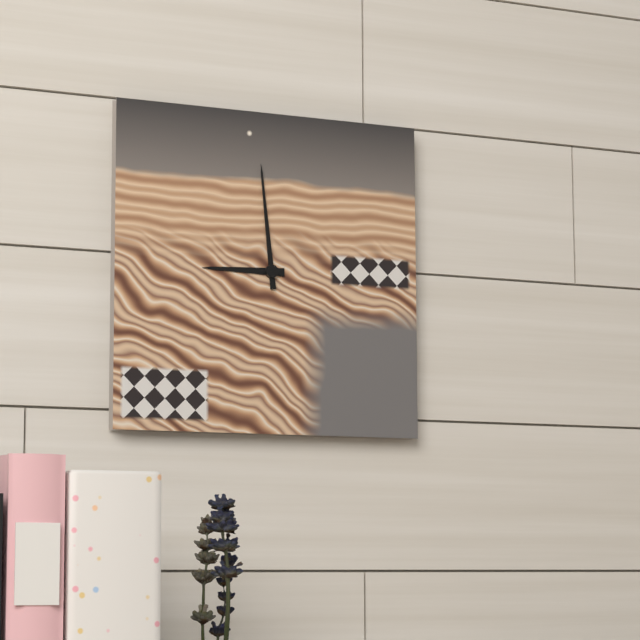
8:59
